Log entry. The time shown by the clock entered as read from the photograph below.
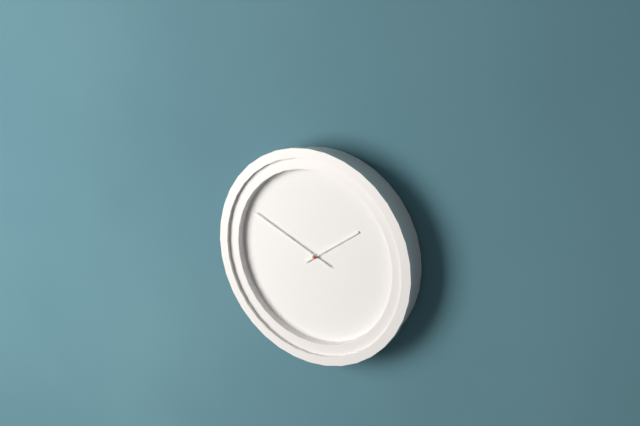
1:49
